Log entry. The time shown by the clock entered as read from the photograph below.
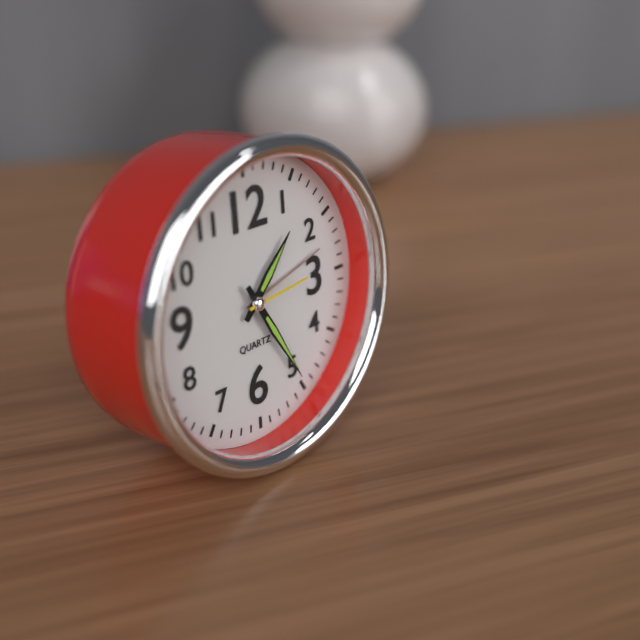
1:25:14
